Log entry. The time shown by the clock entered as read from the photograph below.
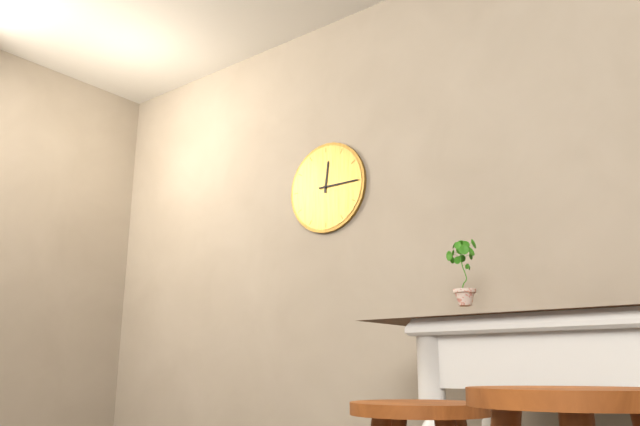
12:15
